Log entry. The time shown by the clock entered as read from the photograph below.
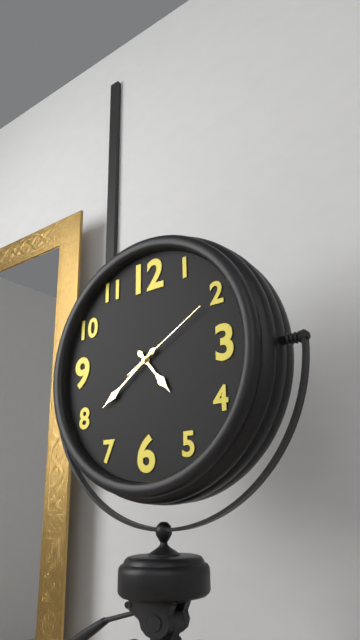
4:39:10
